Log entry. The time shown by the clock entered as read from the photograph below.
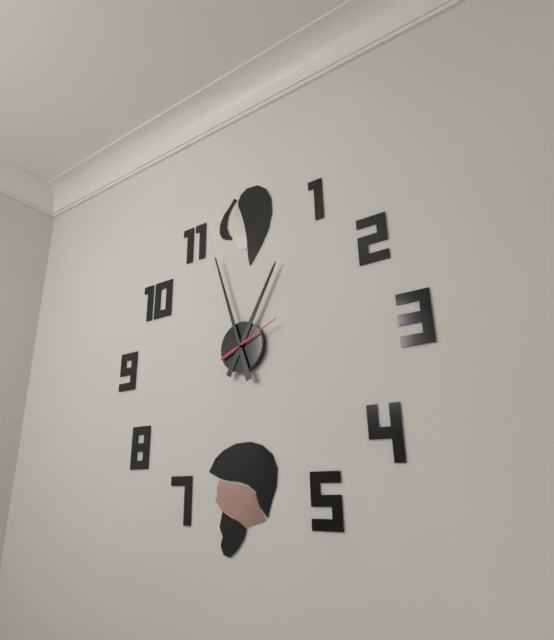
12:57:11
